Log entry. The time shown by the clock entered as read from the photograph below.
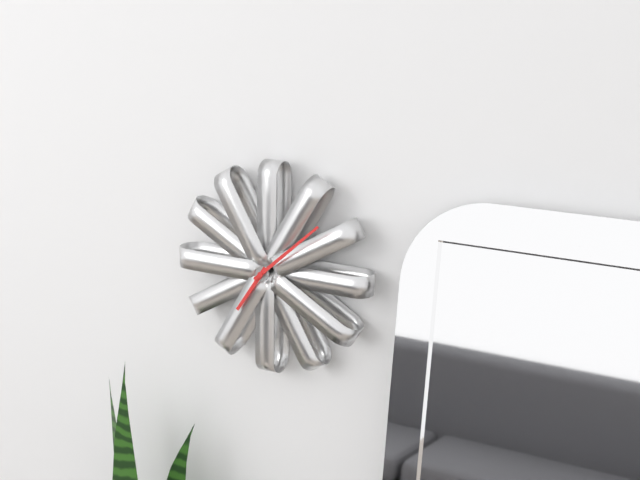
7:08
